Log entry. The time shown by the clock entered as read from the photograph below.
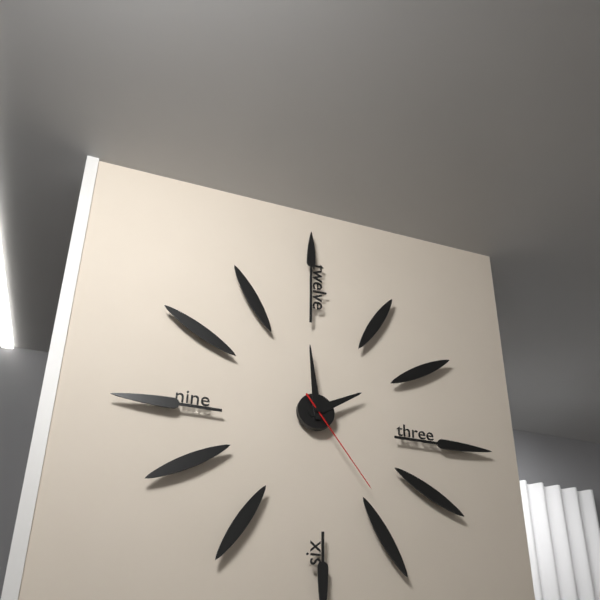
1:59:24
